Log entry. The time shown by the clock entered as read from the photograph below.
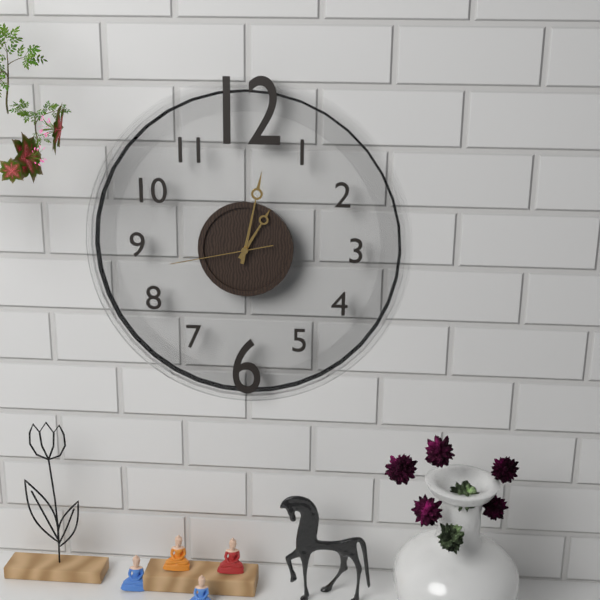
1:02:43
